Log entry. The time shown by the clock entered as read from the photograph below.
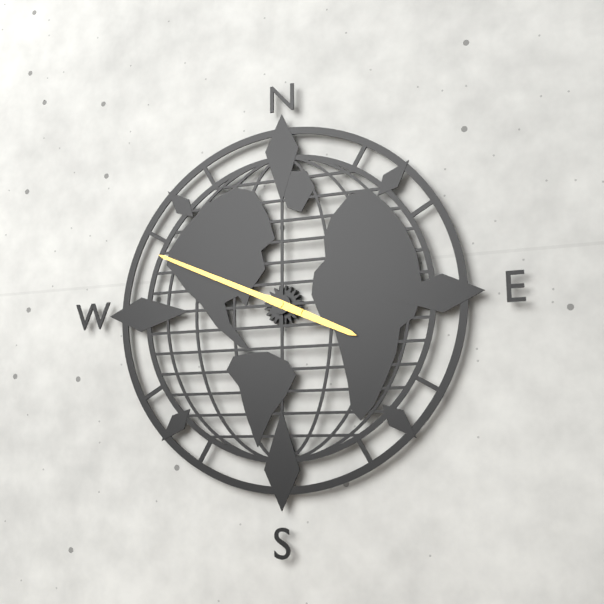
3:49
